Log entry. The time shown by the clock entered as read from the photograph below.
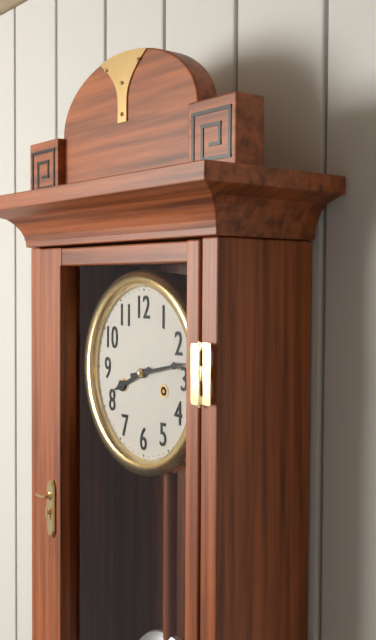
8:13
